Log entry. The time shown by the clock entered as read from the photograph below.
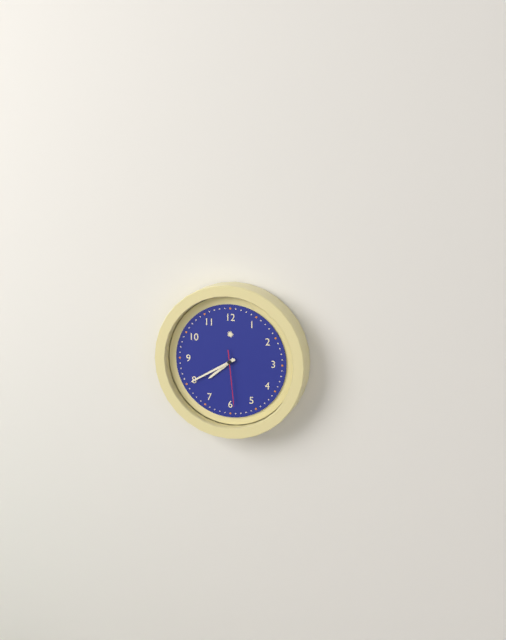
7:40:29
